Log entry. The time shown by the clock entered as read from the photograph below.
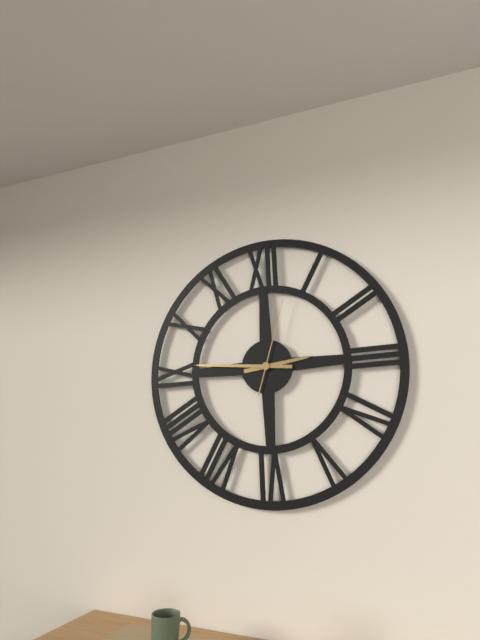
2:46:03
